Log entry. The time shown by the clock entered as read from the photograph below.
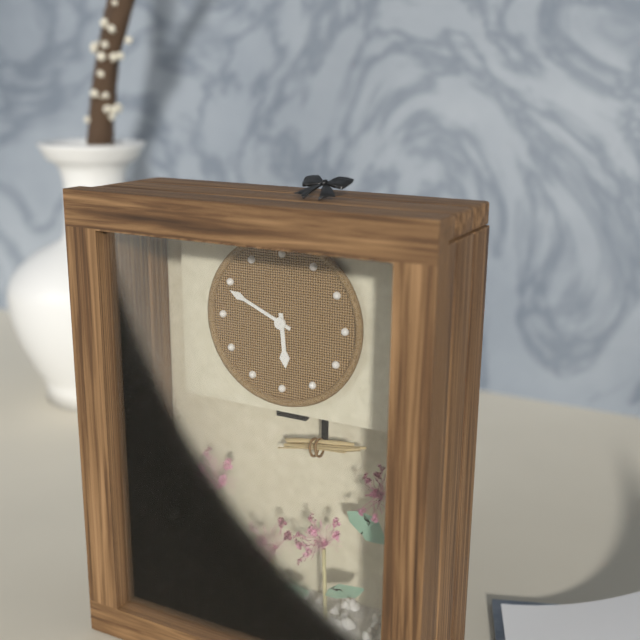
5:49
